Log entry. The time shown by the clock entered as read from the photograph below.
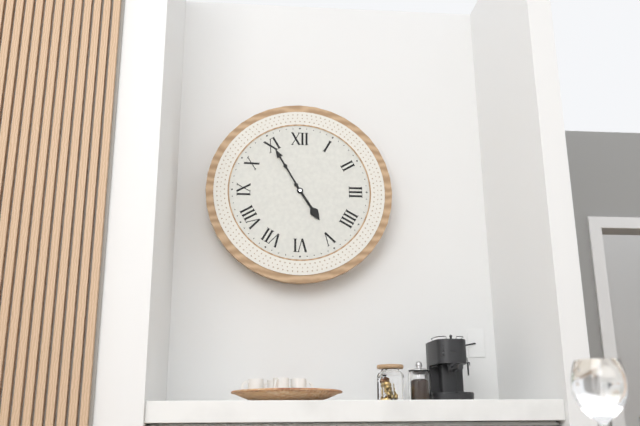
4:55
